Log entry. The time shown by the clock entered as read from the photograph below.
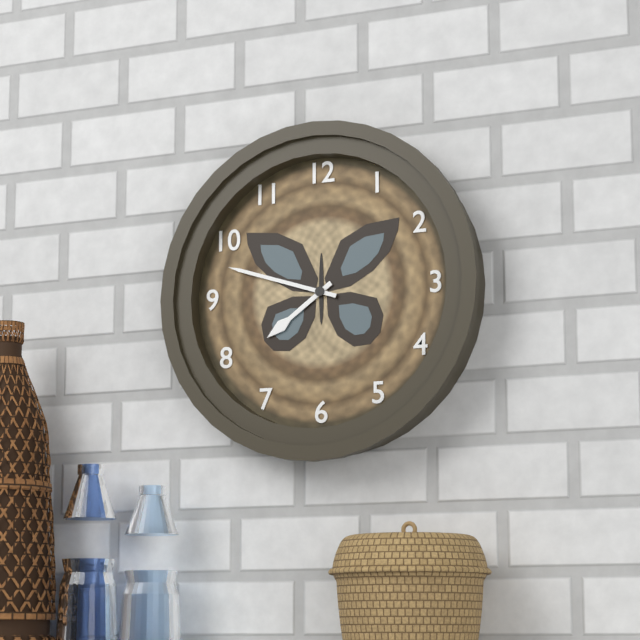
7:48
